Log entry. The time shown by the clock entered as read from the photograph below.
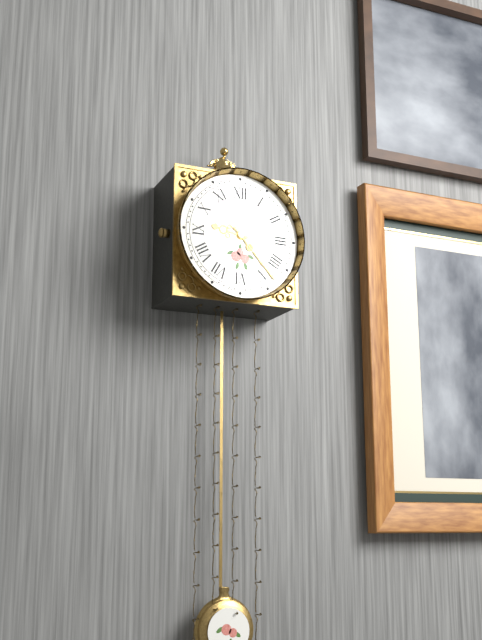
9:23
